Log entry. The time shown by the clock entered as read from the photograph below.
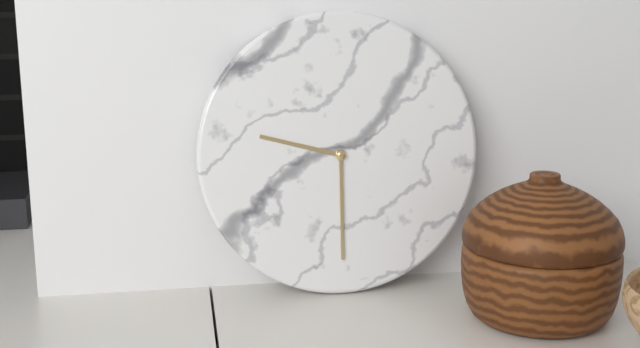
9:30
